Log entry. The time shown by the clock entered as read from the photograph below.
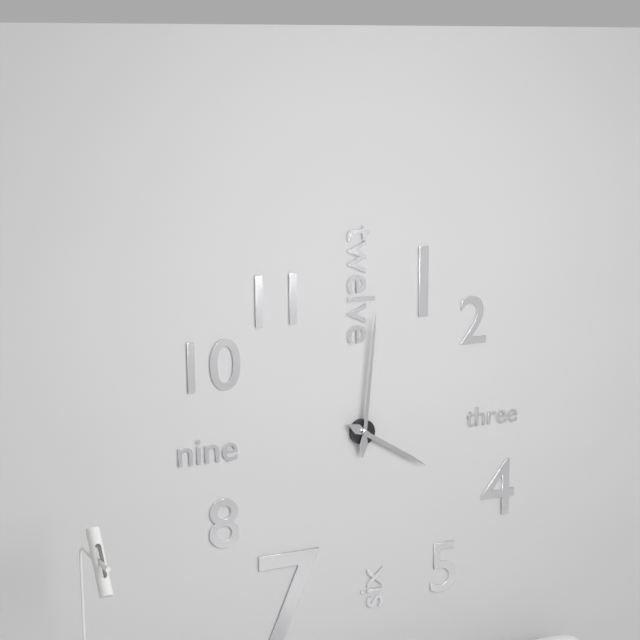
4:01
